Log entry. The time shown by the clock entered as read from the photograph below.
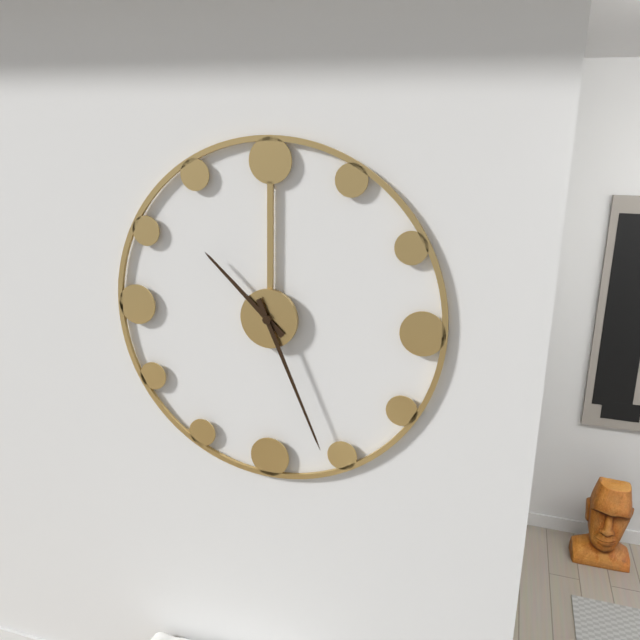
10:26
